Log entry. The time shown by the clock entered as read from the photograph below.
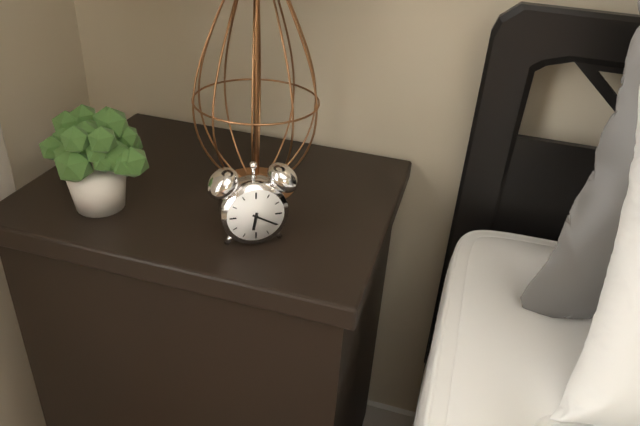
6:20
